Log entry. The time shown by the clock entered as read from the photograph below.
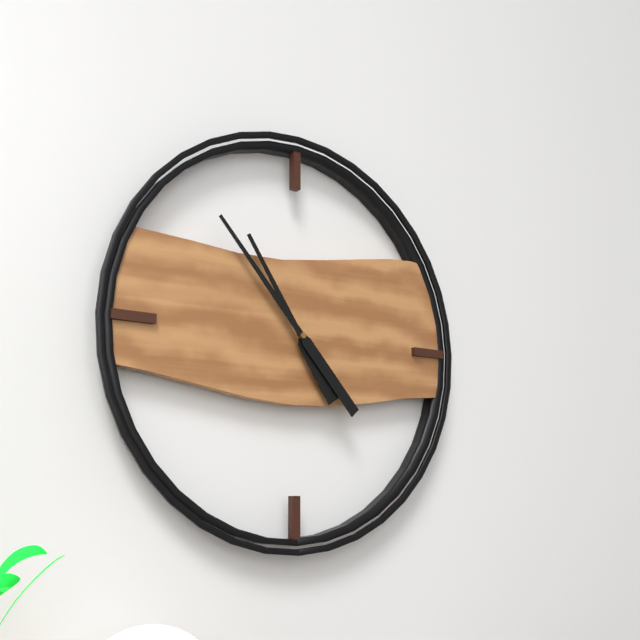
10:53
